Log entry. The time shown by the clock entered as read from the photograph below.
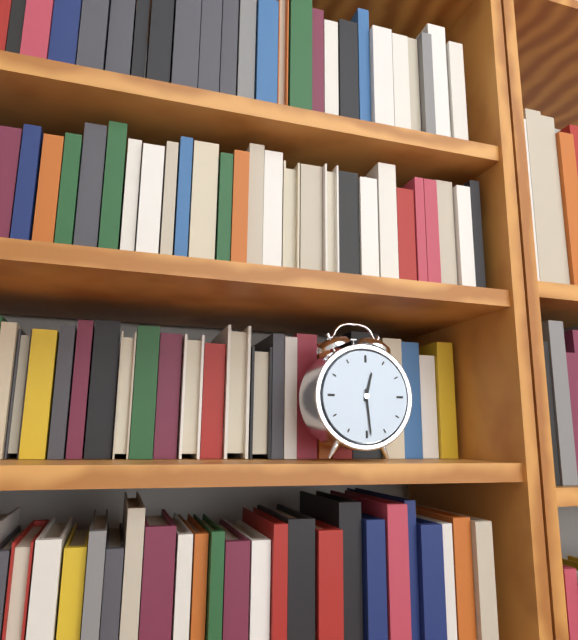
12:29
